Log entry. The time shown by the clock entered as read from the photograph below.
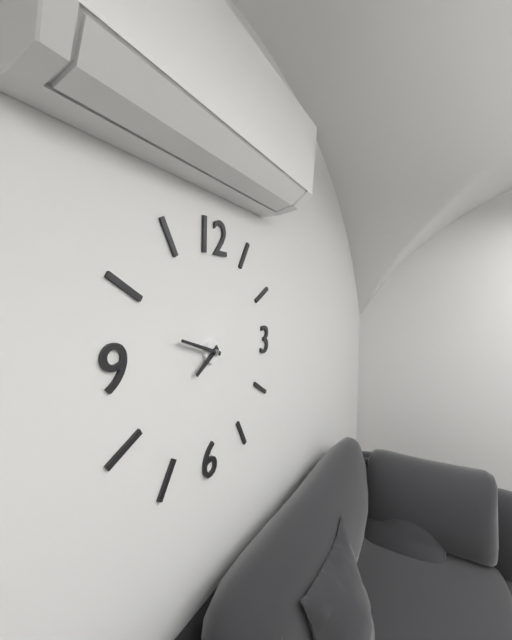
7:48
